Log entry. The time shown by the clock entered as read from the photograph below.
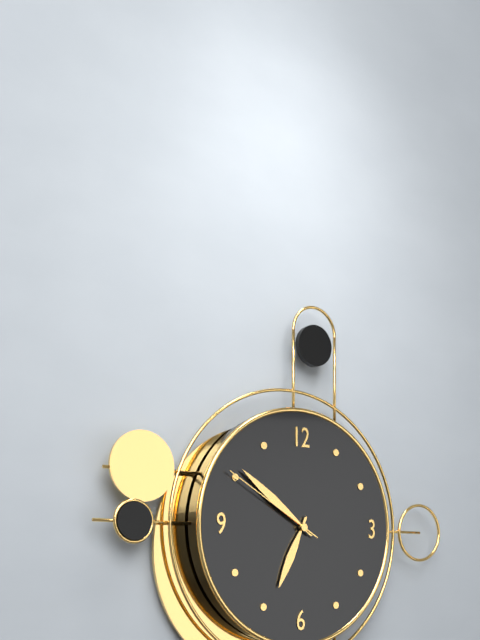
6:51:50
